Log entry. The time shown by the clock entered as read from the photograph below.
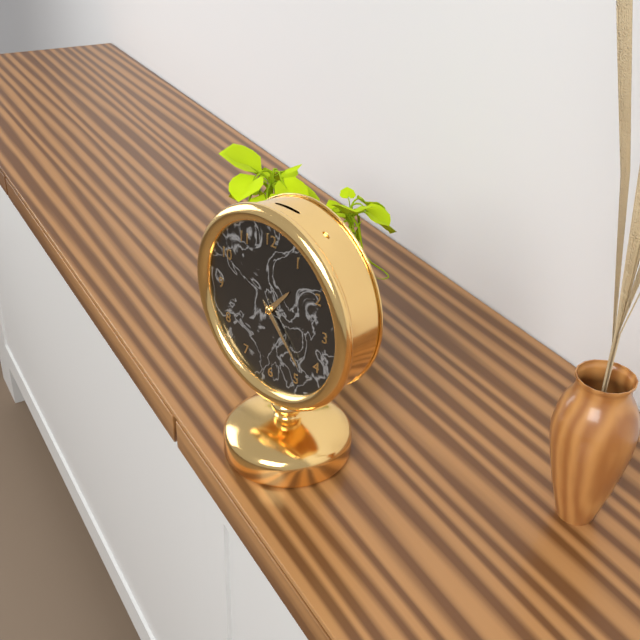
1:23
